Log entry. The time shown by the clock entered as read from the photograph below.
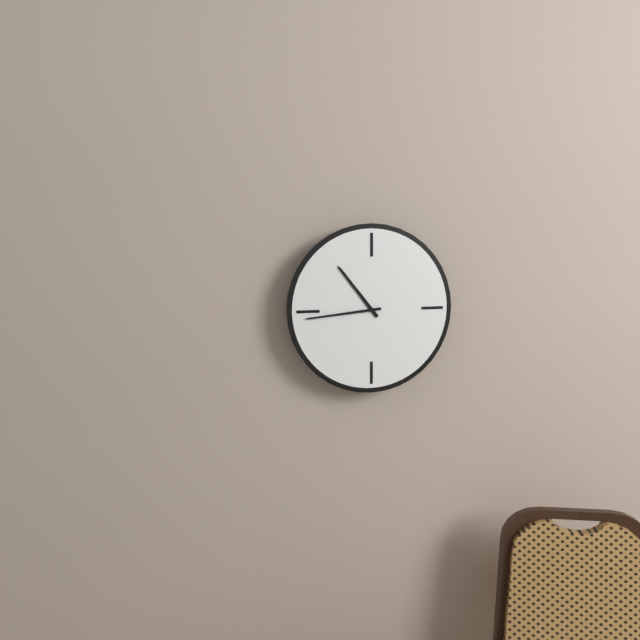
10:44
